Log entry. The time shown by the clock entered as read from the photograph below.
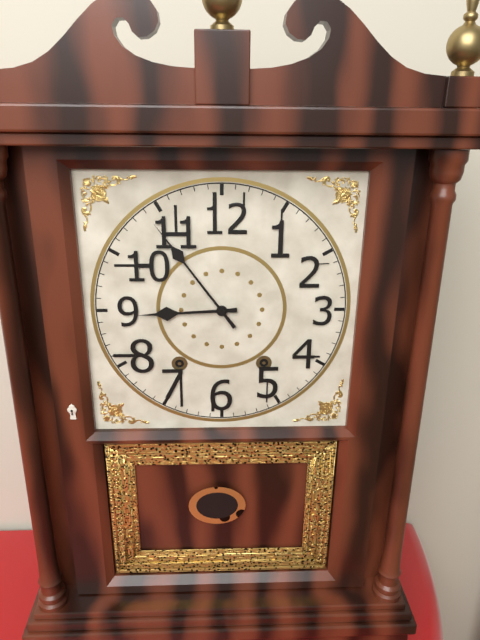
8:54
